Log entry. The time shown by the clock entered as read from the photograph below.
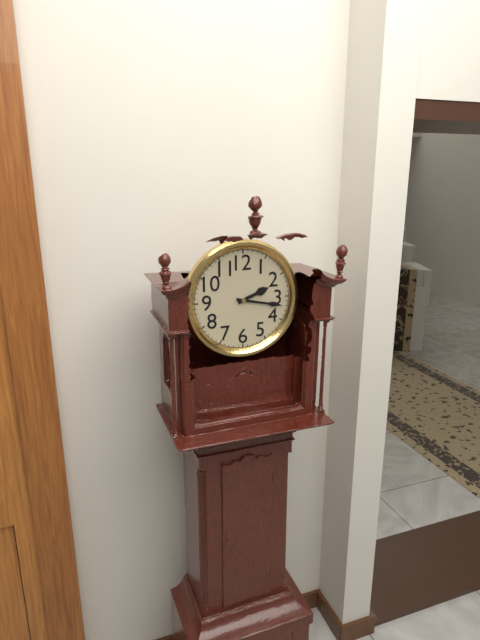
2:17
